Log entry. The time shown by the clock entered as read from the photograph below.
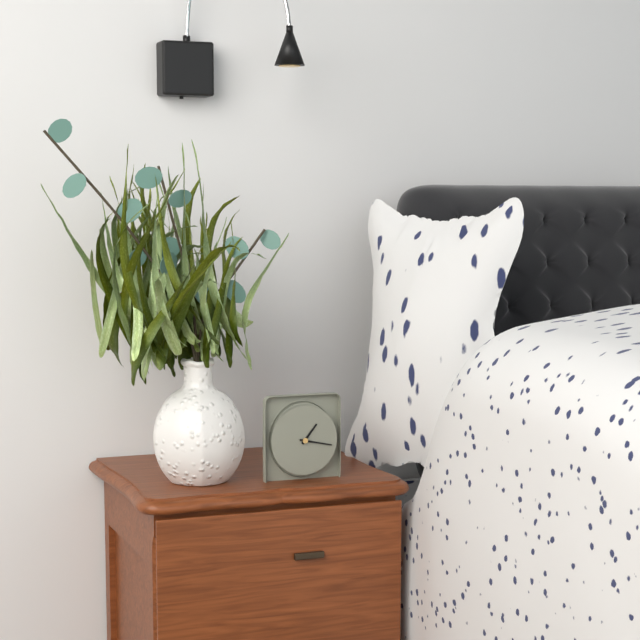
1:17
